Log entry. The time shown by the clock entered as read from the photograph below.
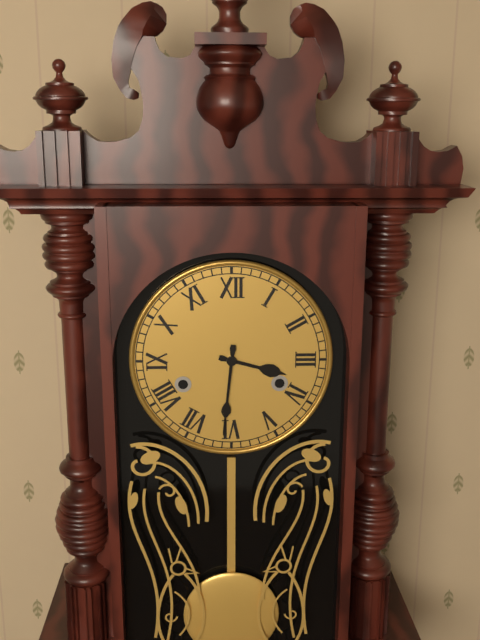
3:31
